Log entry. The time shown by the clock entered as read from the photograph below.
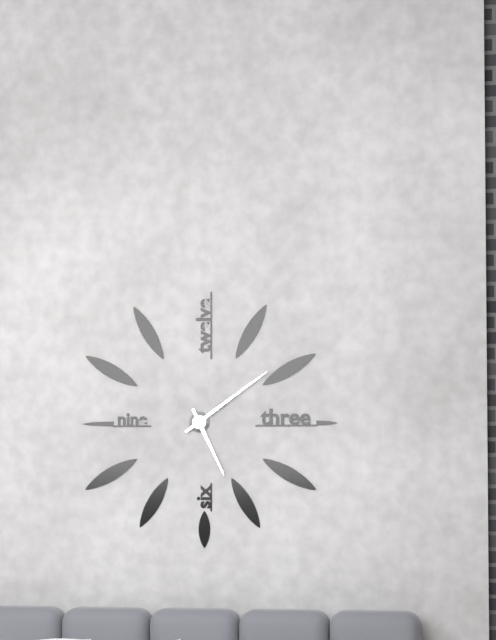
5:09
